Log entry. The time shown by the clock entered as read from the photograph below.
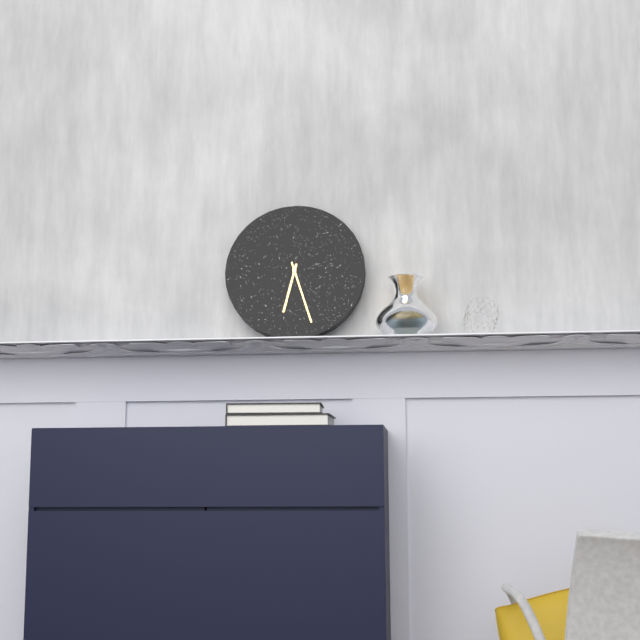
6:27
